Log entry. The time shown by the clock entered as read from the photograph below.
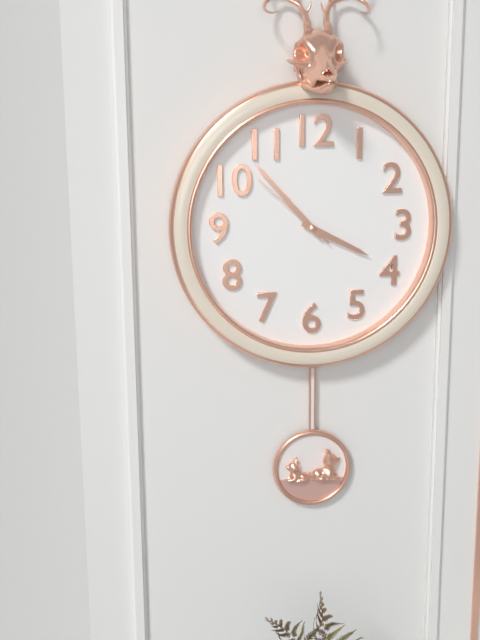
3:53:52
